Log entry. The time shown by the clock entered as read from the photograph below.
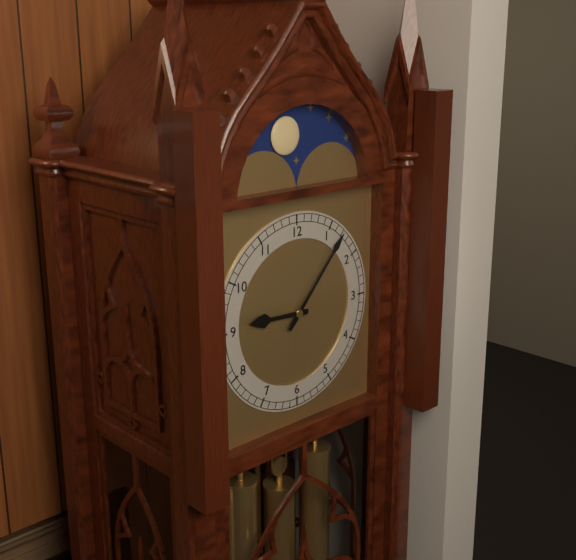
9:07
